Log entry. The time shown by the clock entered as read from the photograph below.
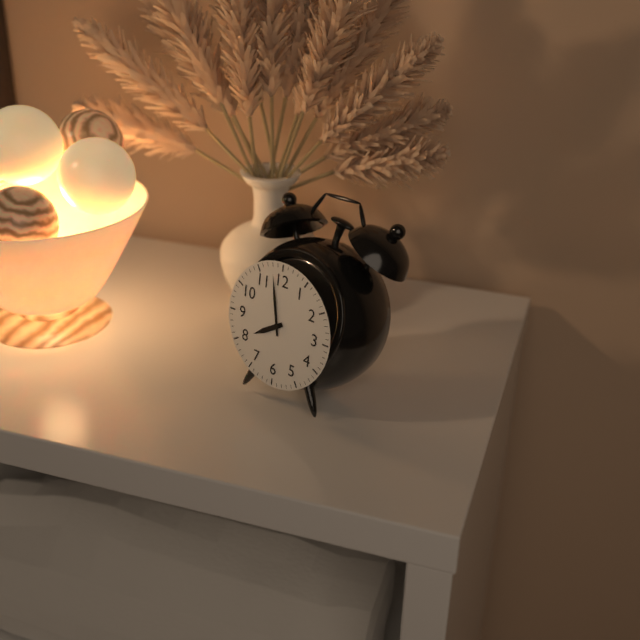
7:58
